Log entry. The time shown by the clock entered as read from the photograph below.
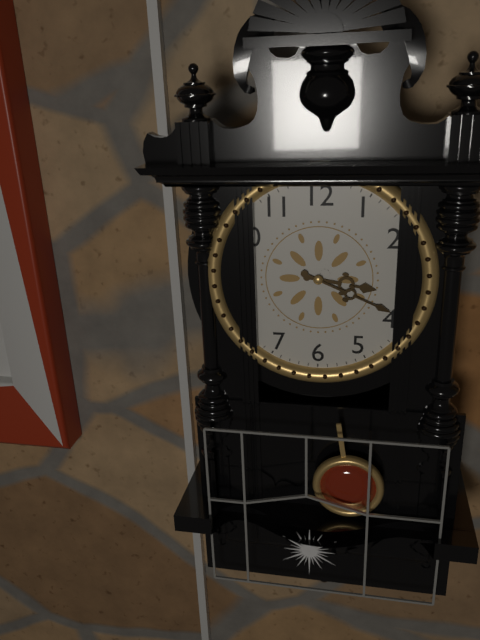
3:19
